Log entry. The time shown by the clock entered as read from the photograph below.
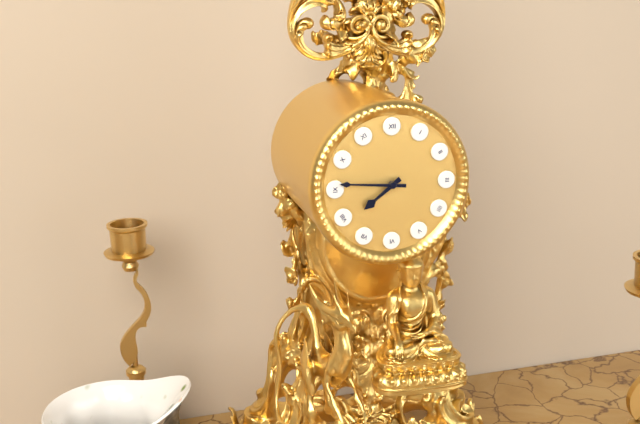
7:46
